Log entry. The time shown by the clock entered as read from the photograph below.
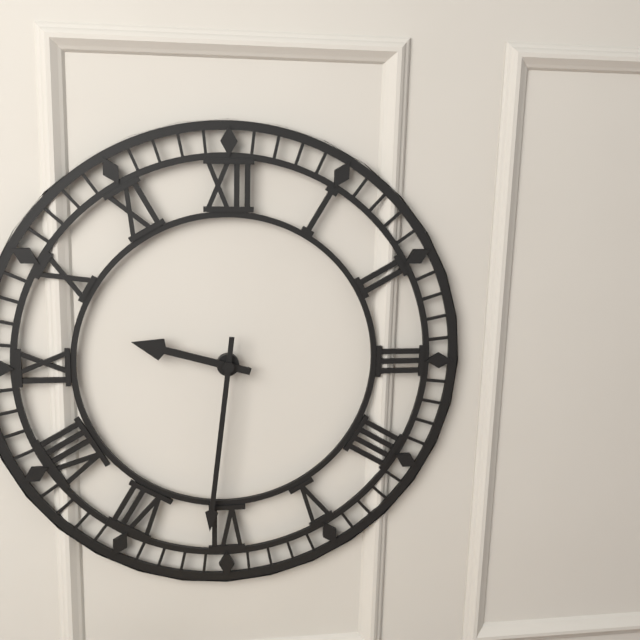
9:31
